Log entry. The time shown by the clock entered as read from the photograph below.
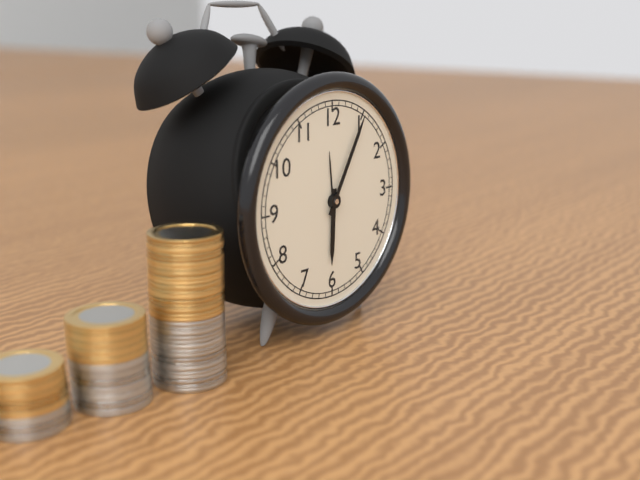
6:05
